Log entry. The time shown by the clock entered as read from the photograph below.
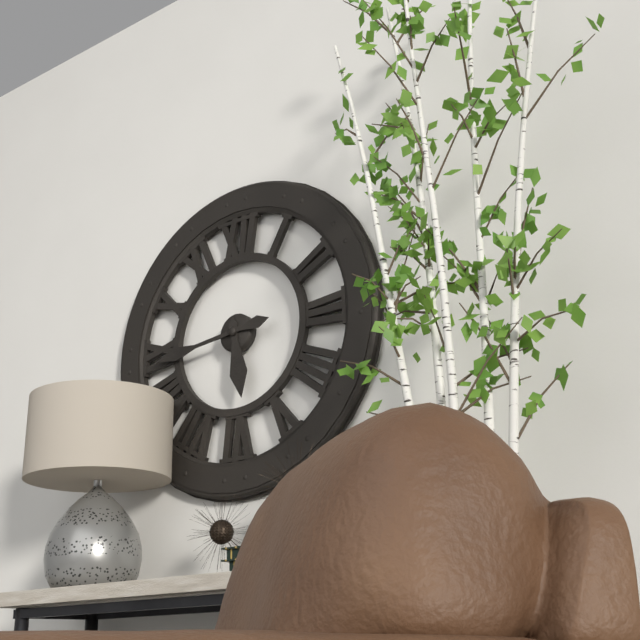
5:44
